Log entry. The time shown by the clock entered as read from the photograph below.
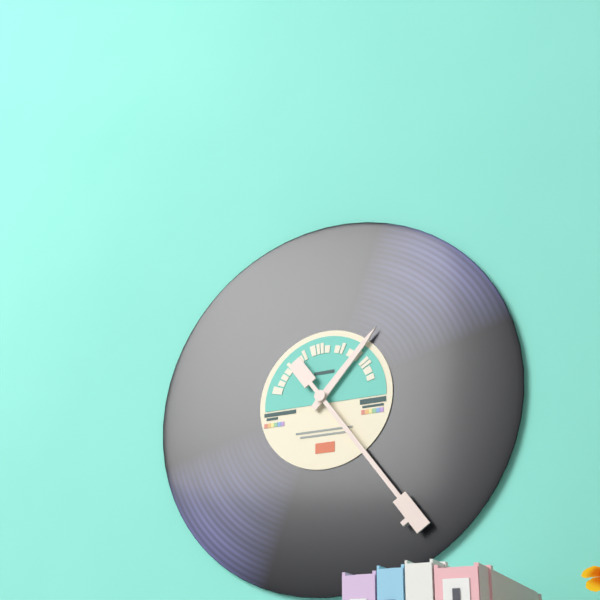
1:24
